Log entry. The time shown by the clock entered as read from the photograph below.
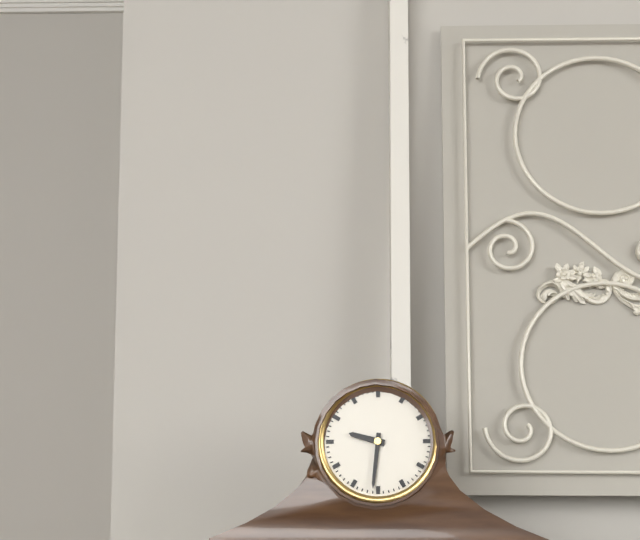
9:31
